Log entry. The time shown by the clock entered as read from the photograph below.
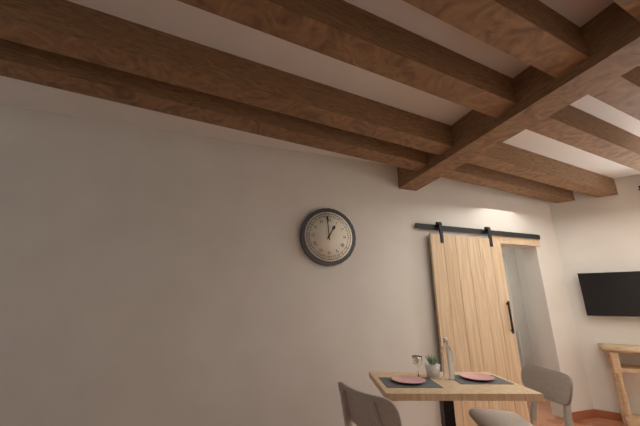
12:59
